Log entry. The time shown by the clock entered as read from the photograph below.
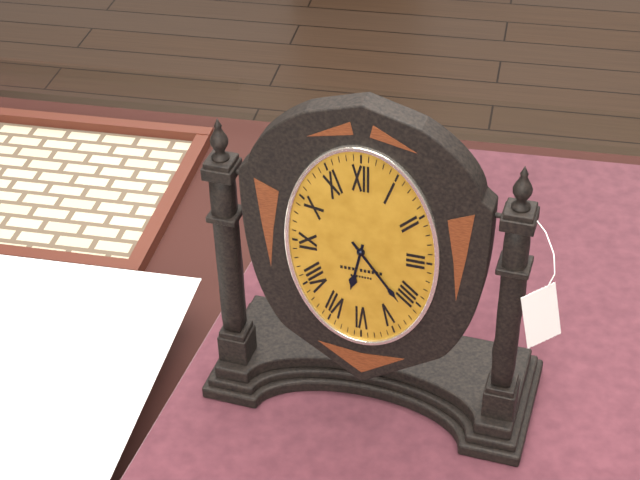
6:24
